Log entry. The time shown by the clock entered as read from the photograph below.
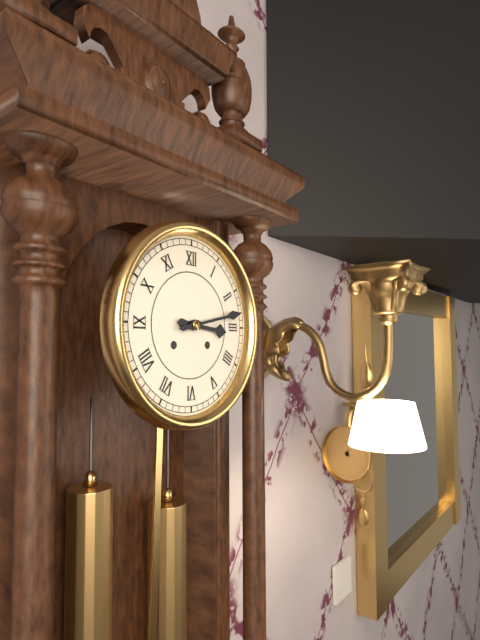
3:13
